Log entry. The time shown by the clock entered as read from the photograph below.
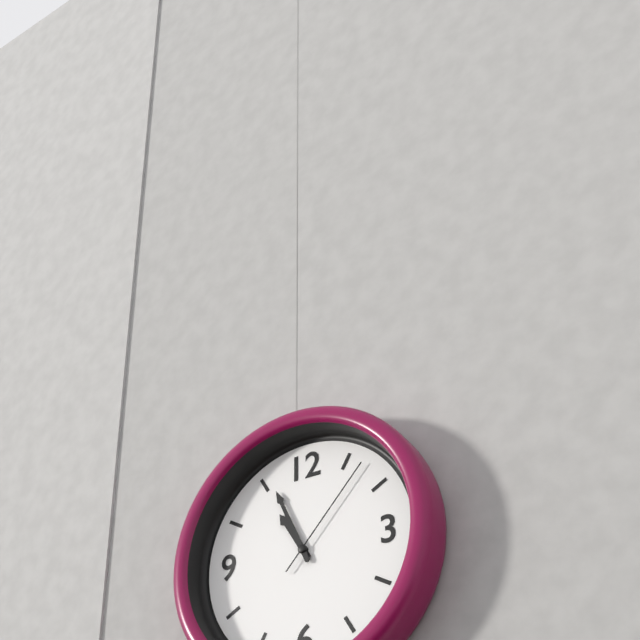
10:56:07
